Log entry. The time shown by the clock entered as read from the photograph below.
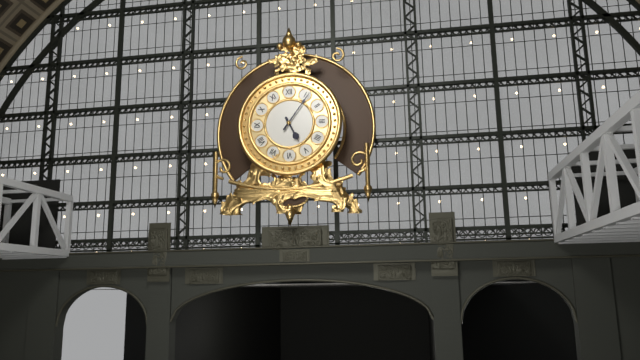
5:06
